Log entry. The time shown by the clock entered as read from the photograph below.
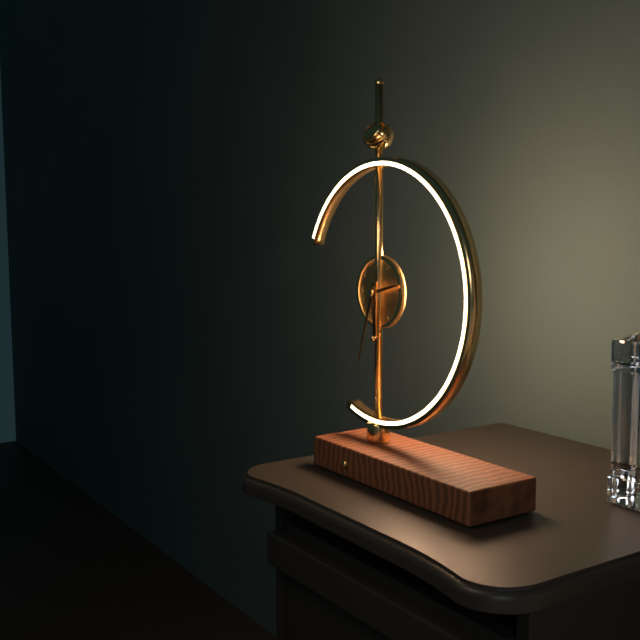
2:33
